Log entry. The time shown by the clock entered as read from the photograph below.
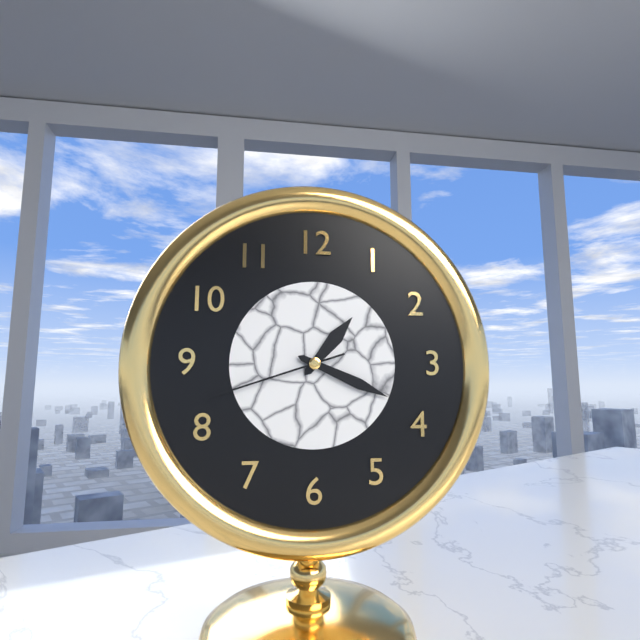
1:19:42
